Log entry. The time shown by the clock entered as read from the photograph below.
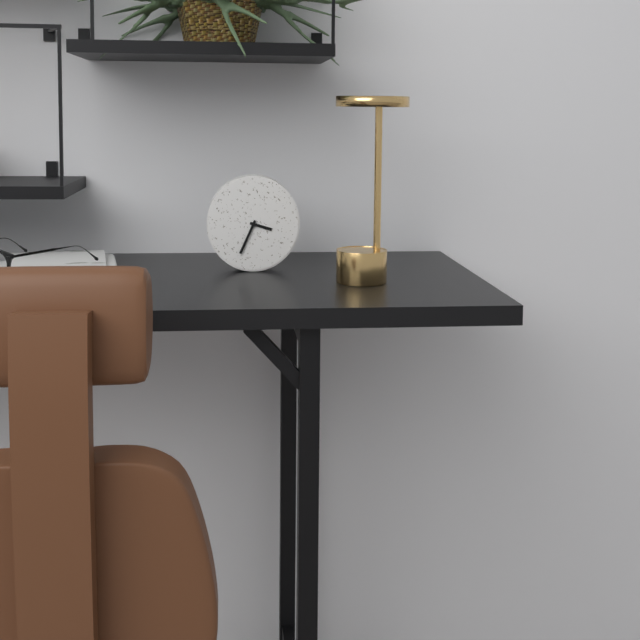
3:34
